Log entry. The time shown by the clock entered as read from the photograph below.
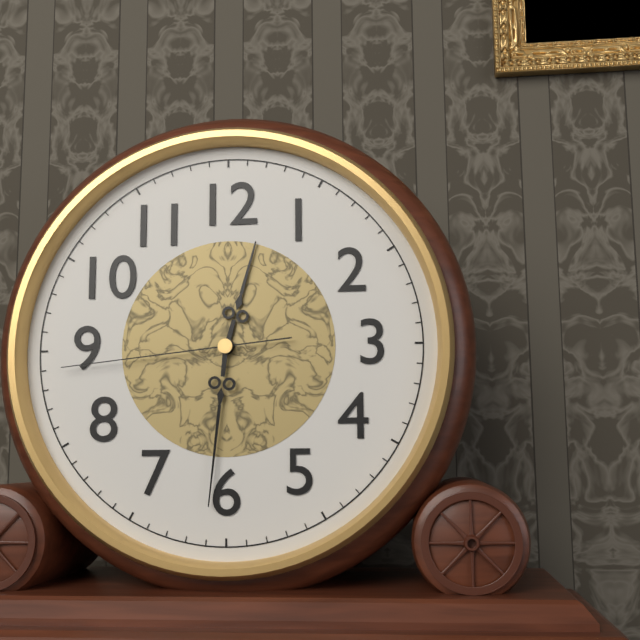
12:31:44
